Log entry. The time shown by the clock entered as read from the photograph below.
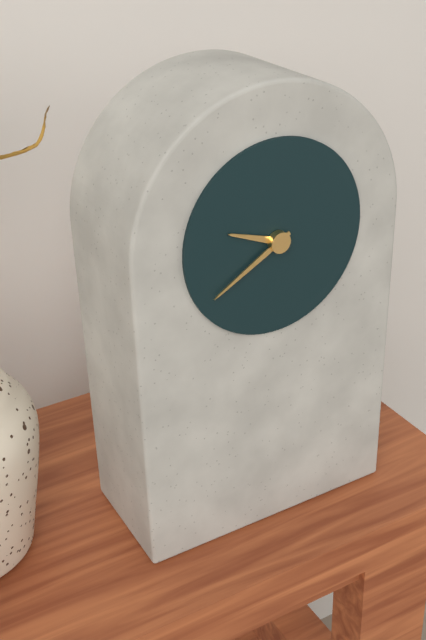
9:40
